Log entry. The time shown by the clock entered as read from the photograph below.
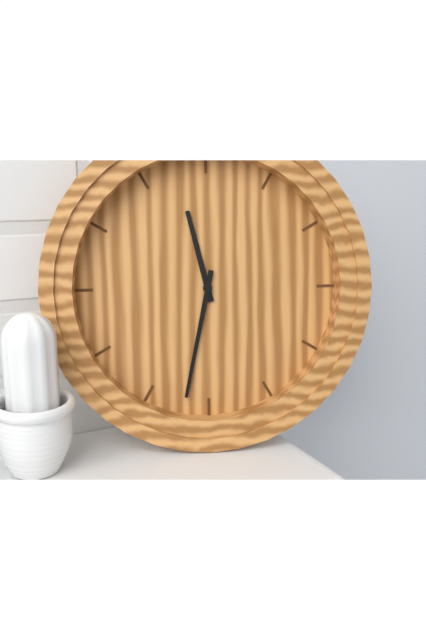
11:32
